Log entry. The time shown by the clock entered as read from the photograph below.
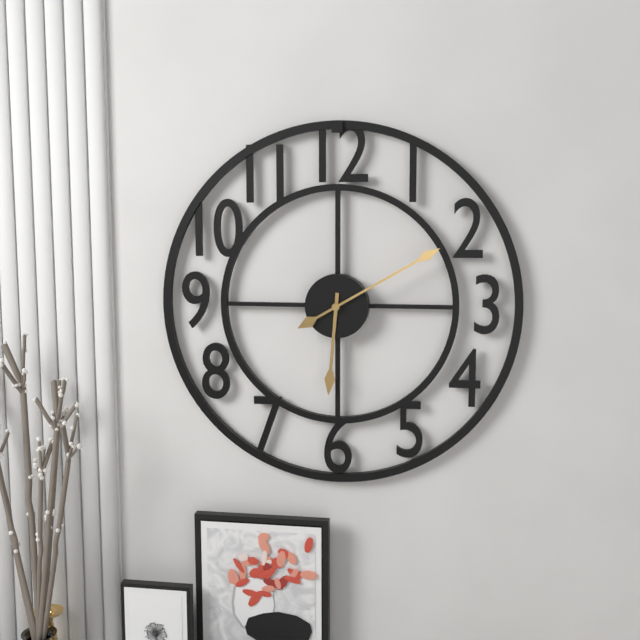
6:10
